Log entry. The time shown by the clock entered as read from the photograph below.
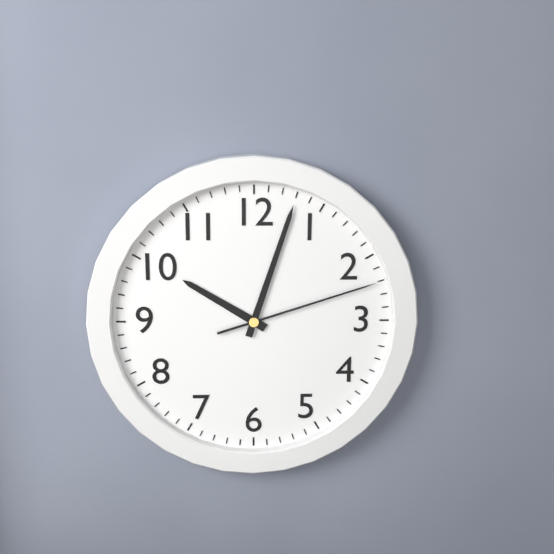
10:03:12
